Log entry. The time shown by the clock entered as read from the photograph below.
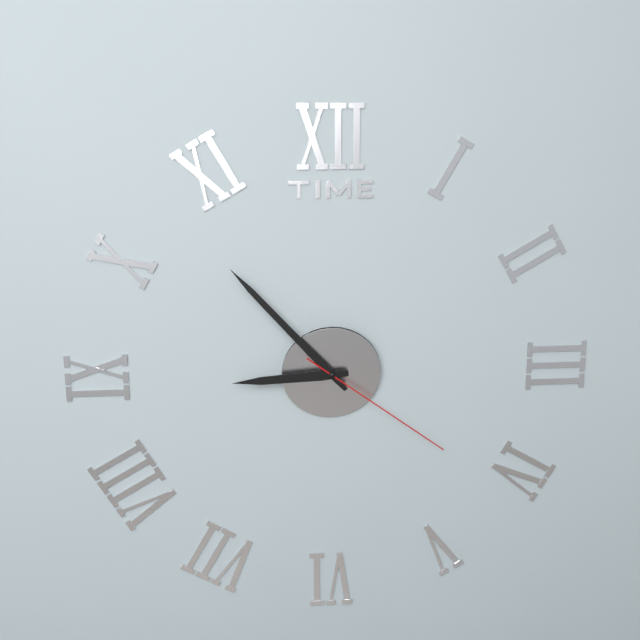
8:53:21
